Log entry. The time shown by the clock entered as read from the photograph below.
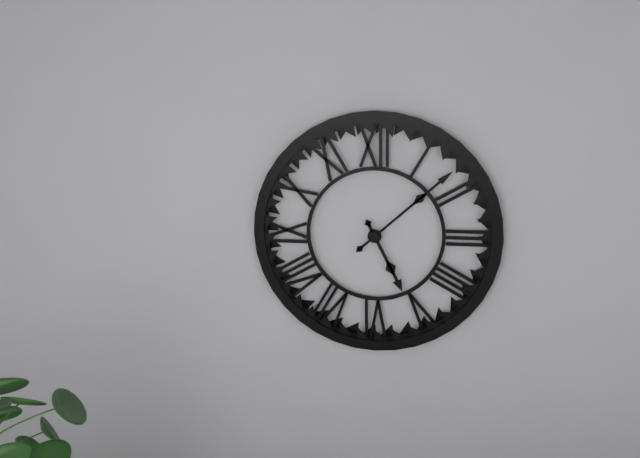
5:08
